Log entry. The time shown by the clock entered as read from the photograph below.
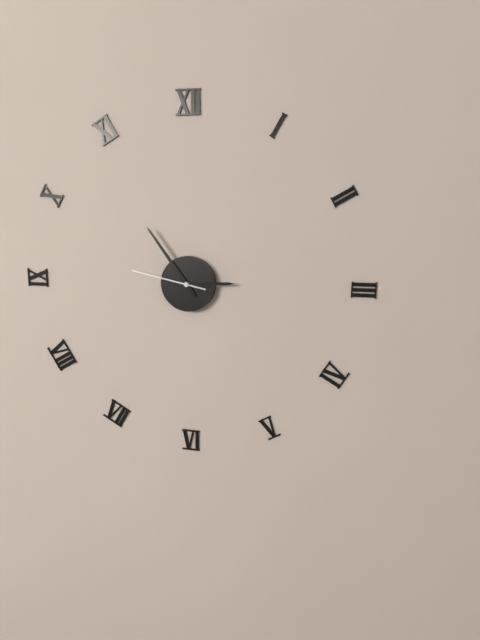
2:54:47
